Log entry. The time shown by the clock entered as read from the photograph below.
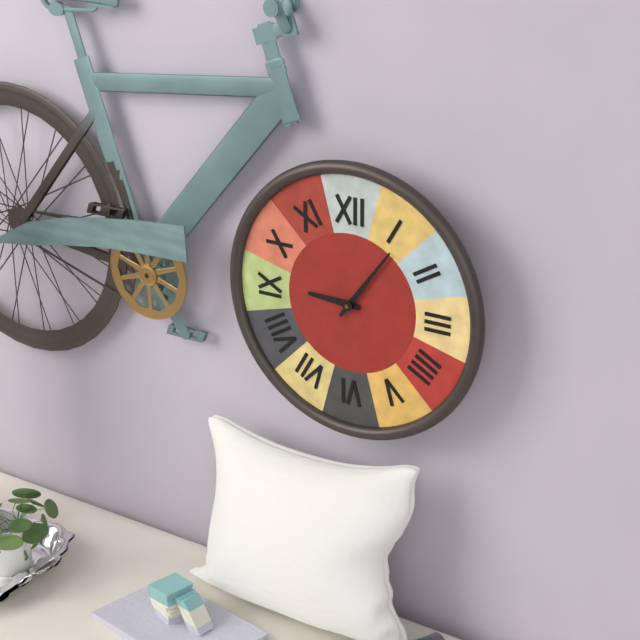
9:06
